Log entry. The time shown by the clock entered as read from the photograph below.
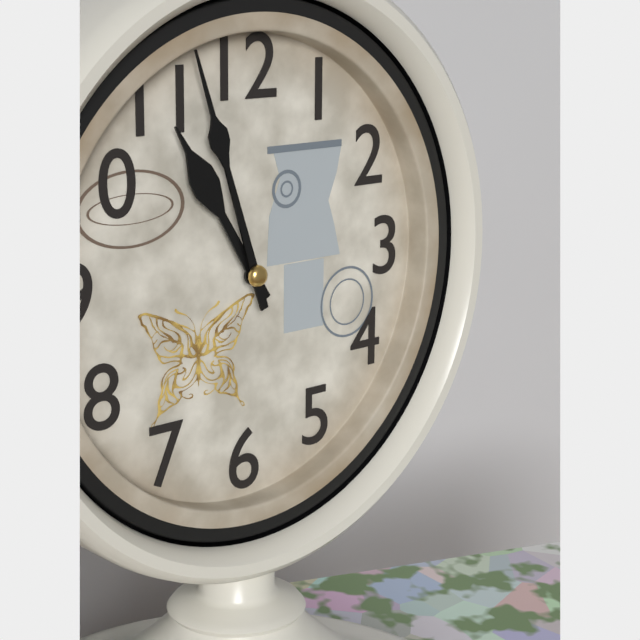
10:57
